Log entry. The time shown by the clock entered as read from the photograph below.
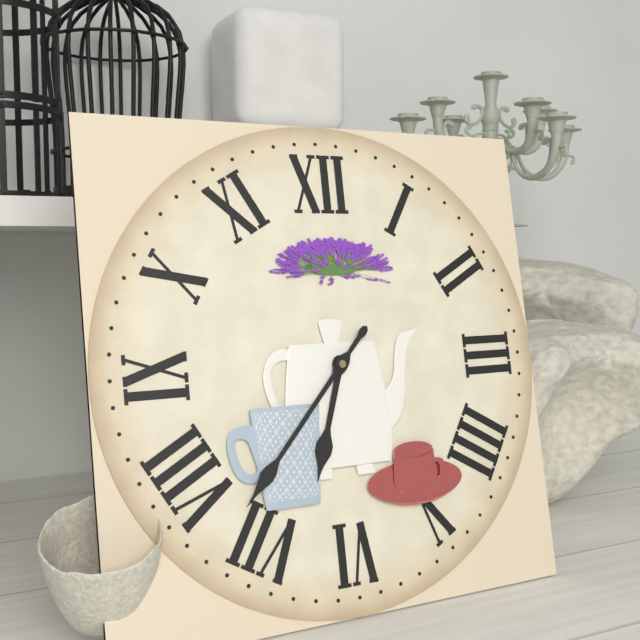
6:37
